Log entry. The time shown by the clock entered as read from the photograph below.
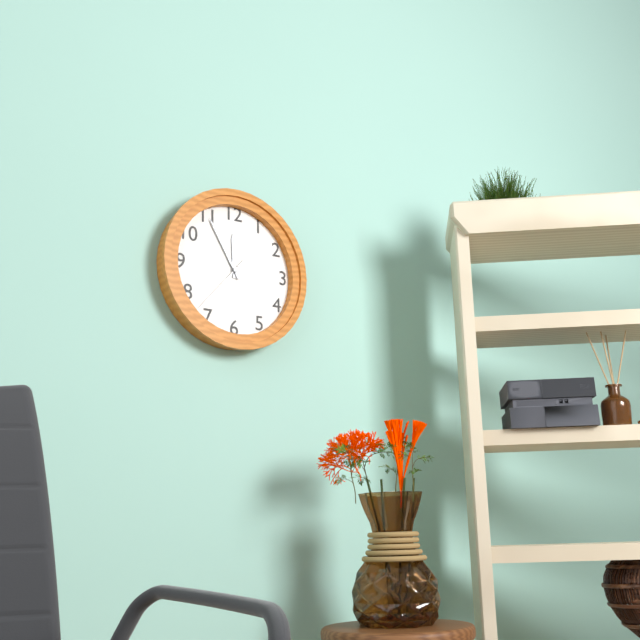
11:55:37
